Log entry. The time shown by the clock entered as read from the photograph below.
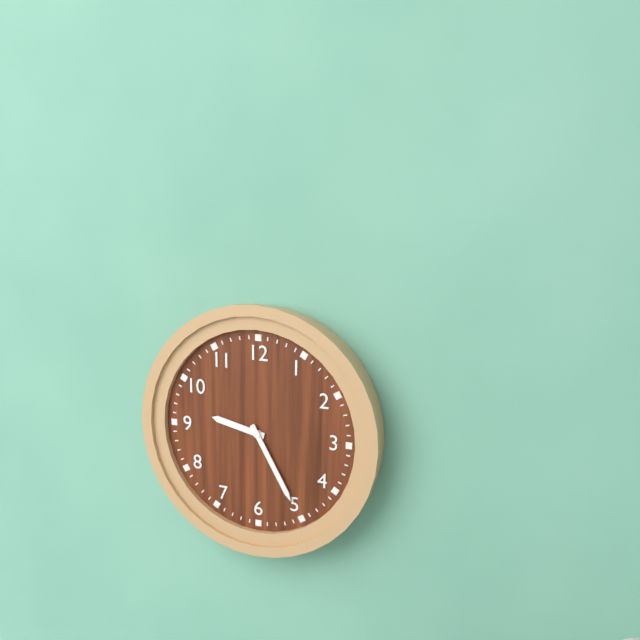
9:25
